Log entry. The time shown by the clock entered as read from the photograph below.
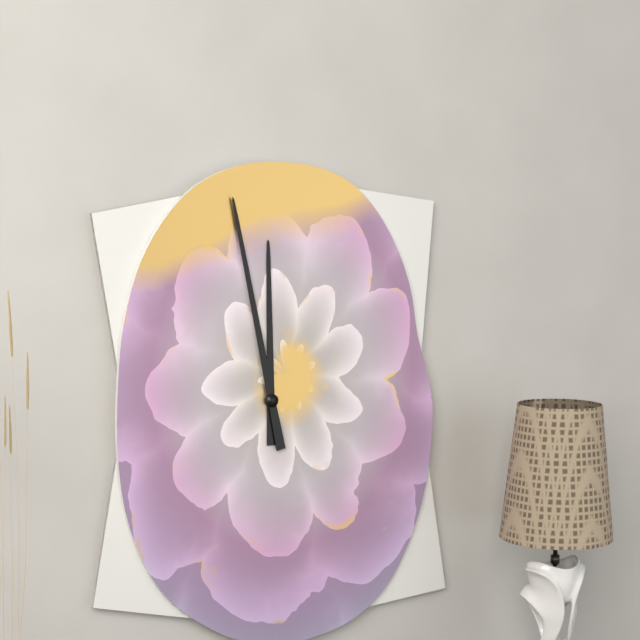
11:58
